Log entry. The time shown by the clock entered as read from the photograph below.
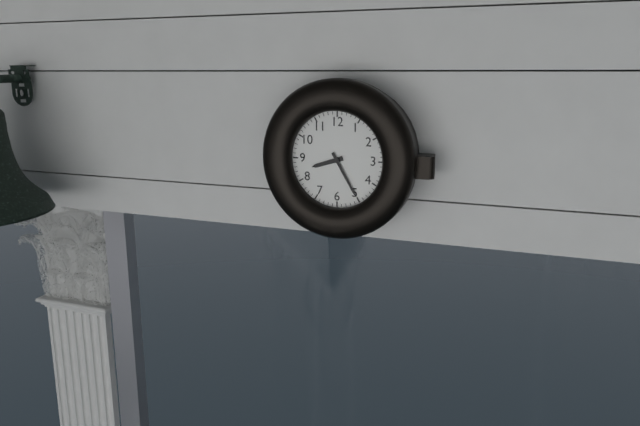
8:25
